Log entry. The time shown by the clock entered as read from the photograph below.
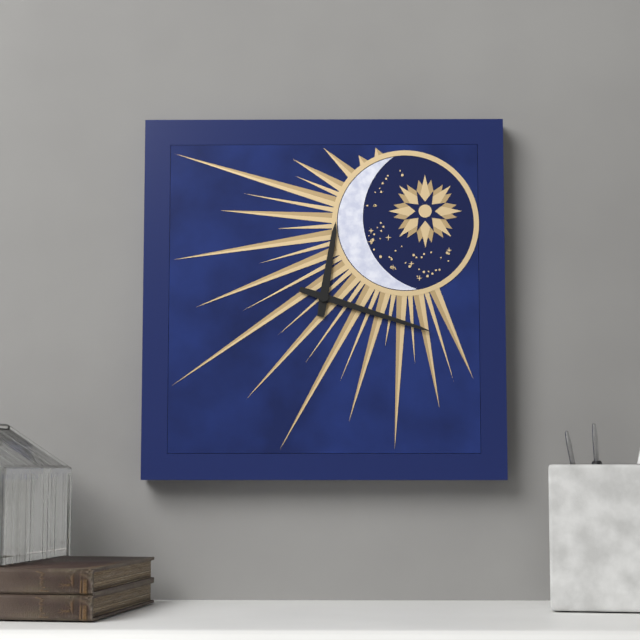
12:18
